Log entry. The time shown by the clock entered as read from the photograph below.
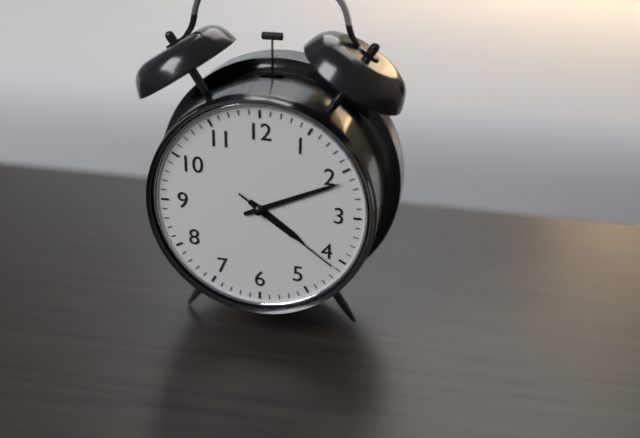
4:11:21
